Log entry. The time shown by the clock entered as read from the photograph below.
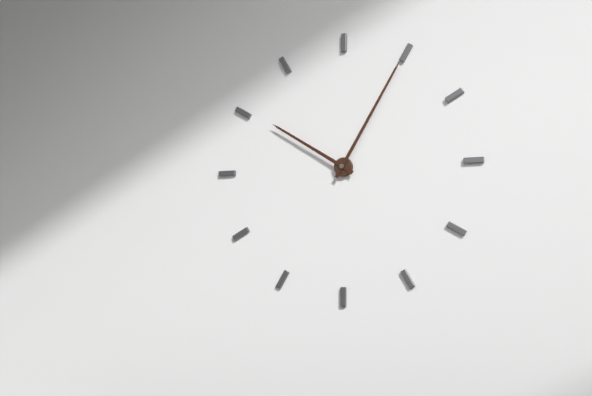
10:05
